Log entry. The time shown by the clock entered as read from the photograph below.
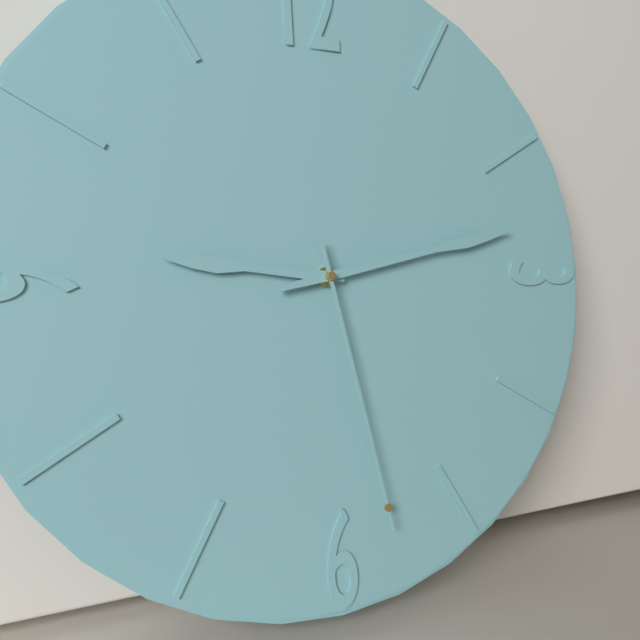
9:13:28
